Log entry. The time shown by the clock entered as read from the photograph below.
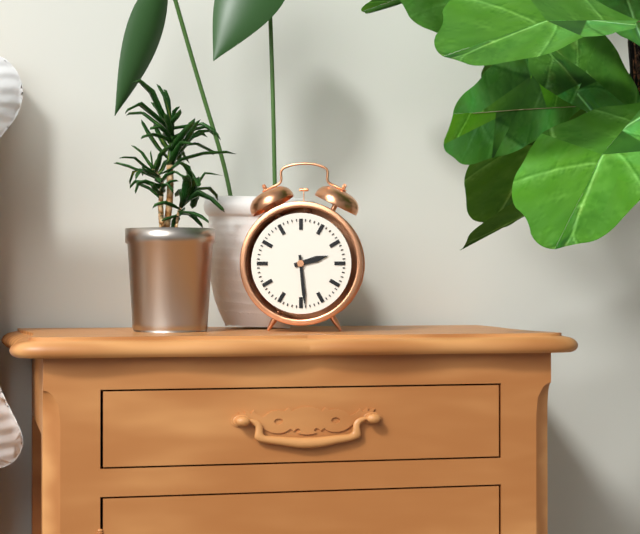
2:29
